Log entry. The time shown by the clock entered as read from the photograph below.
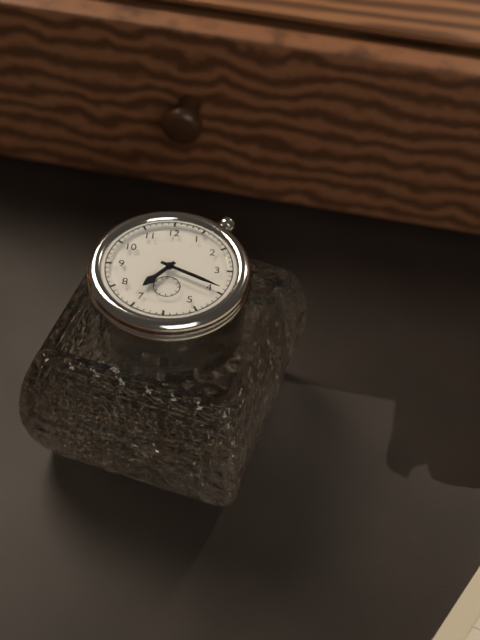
7:19
